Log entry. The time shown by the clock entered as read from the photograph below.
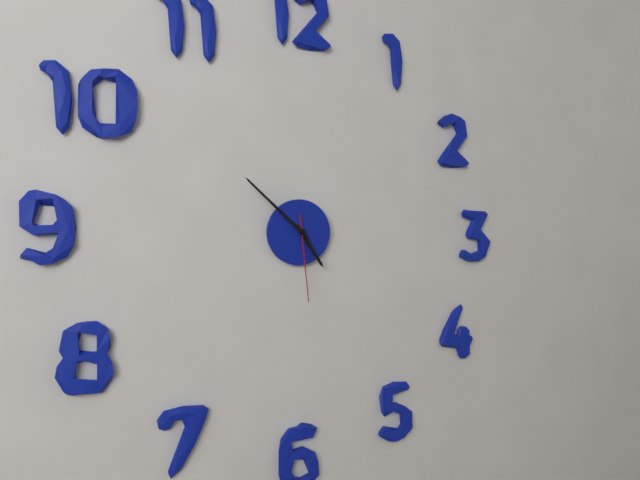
4:52:29
